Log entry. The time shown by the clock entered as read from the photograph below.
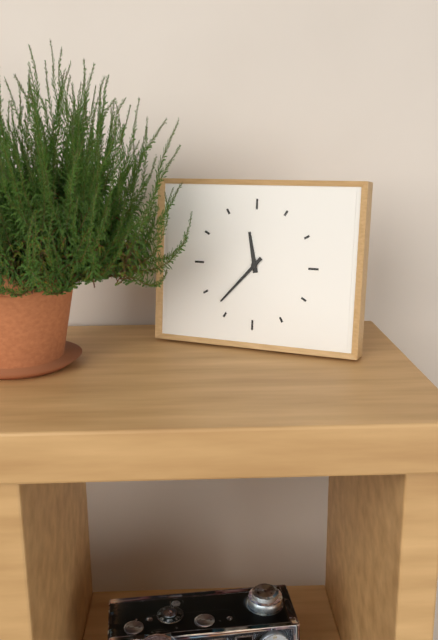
11:37
